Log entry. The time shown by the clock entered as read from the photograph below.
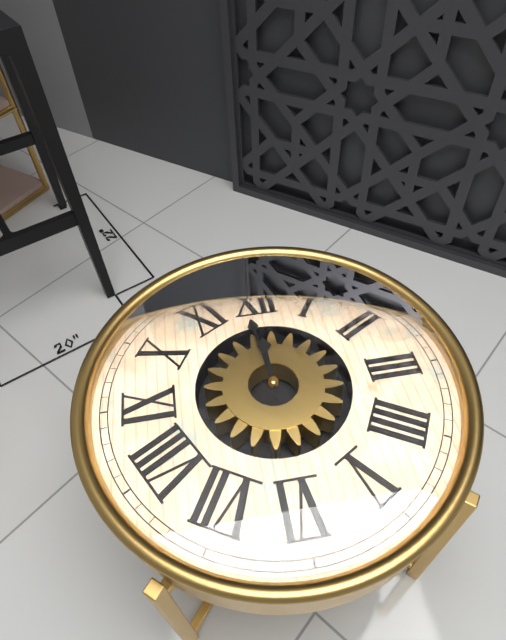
11:59
